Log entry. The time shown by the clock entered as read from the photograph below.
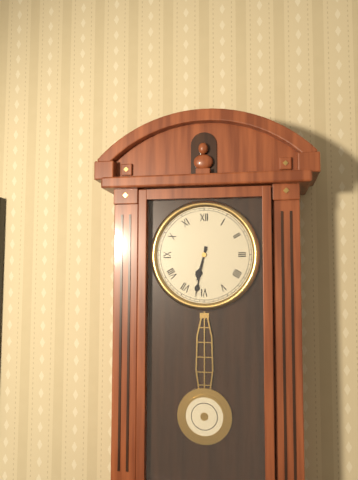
6:32
